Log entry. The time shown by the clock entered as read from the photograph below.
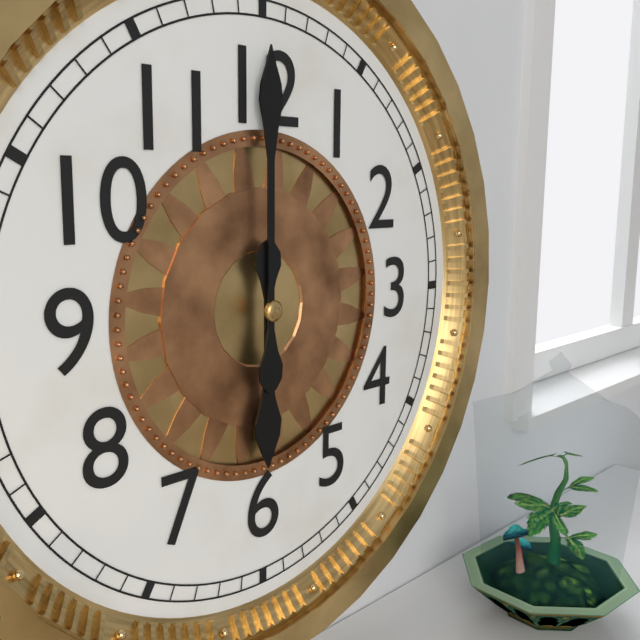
6:00
